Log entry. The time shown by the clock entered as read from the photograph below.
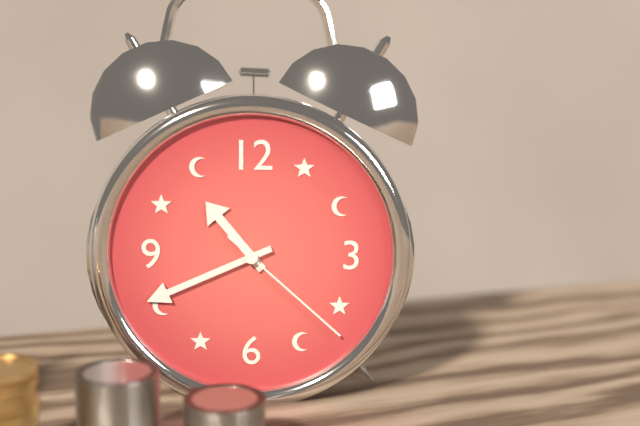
10:41:22
